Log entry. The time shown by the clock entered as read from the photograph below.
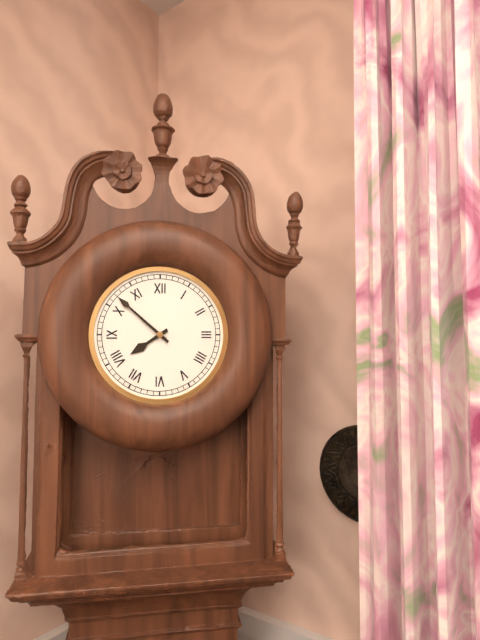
7:52
